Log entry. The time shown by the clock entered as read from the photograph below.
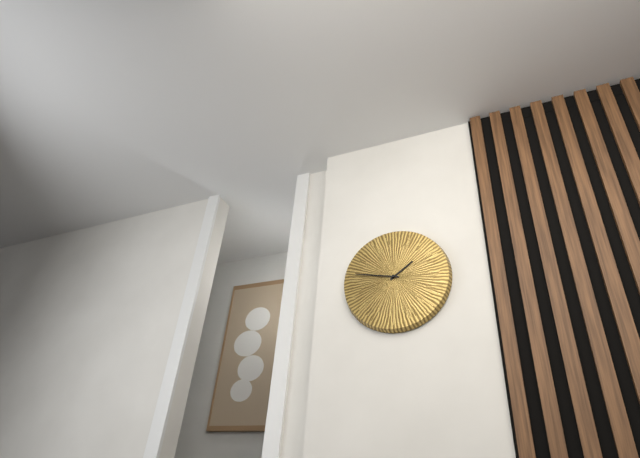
1:47
